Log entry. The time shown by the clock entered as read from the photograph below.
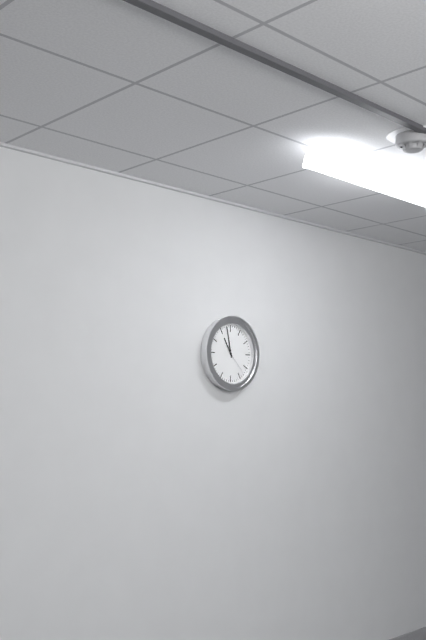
10:58
